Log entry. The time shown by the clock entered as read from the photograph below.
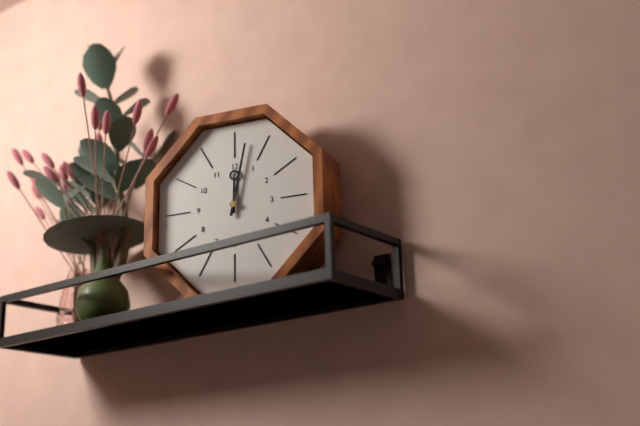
12:02
